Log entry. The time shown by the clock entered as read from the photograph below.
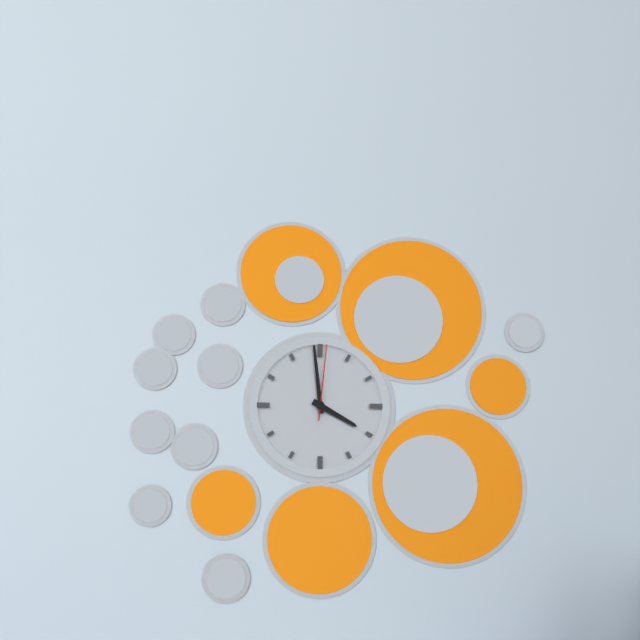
3:59:01
